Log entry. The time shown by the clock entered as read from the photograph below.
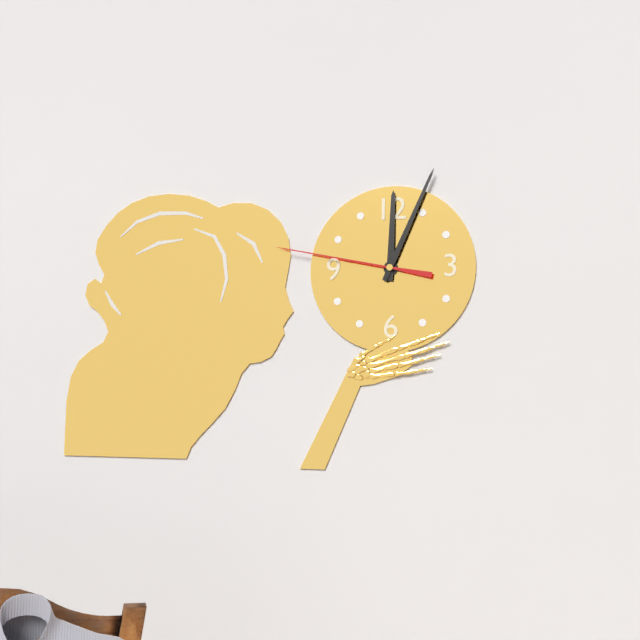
12:04:47
